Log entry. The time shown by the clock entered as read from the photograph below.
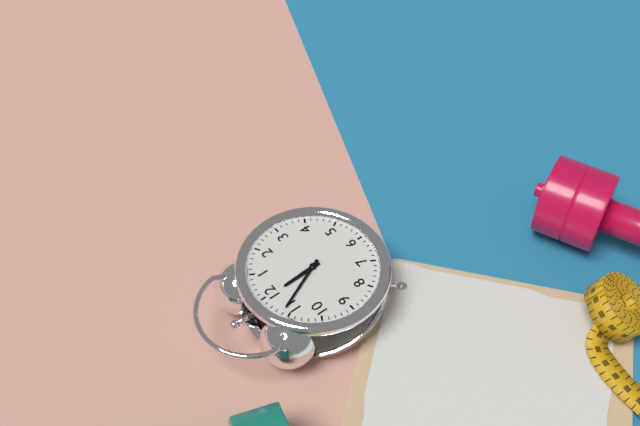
11:56
